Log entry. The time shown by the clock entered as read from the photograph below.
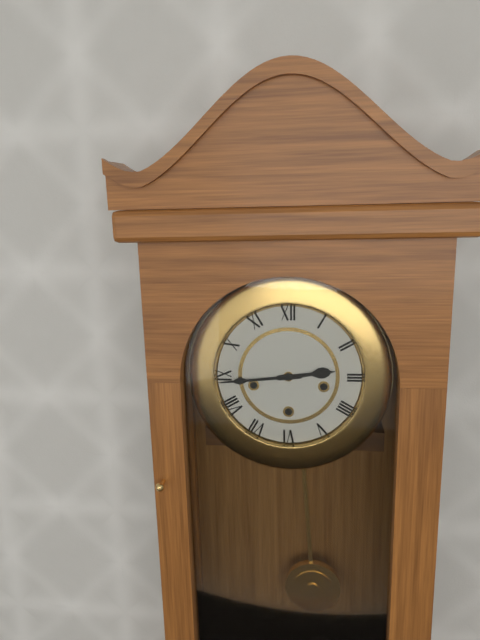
2:44
